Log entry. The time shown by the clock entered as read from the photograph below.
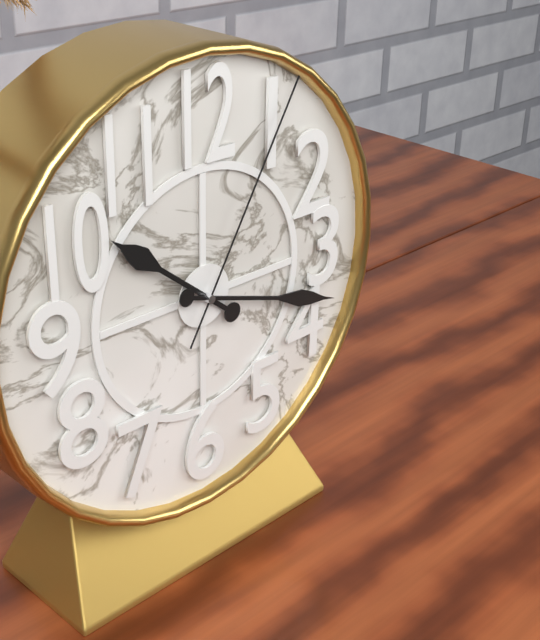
10:18:05
